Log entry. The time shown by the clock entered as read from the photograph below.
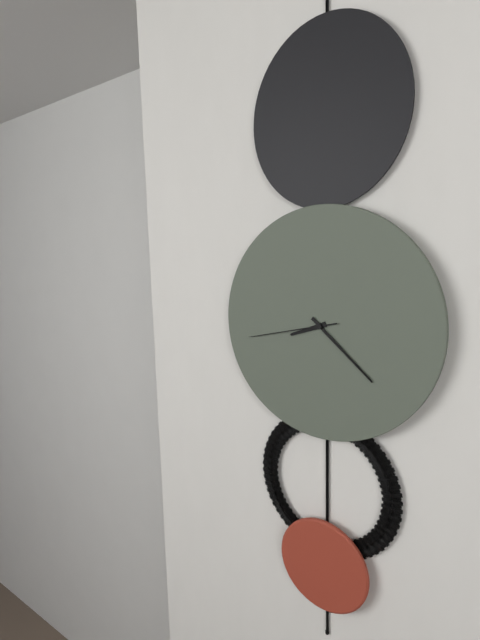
8:22:43
